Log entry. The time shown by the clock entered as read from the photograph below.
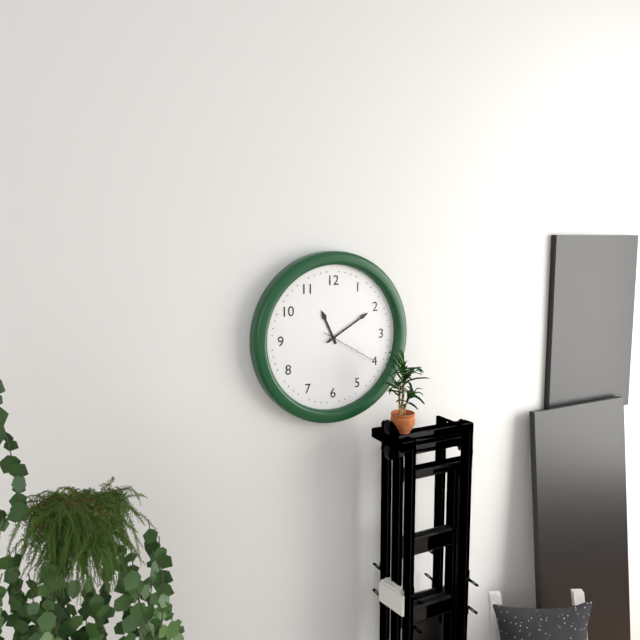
11:10:20
